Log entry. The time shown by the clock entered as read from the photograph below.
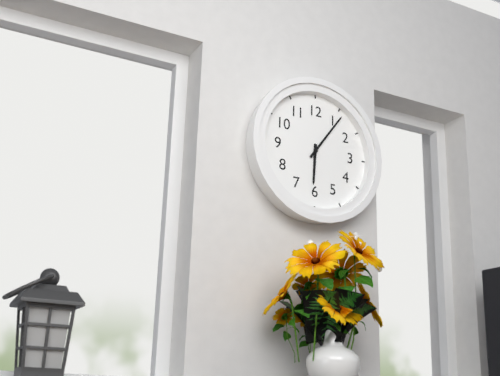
6:06
